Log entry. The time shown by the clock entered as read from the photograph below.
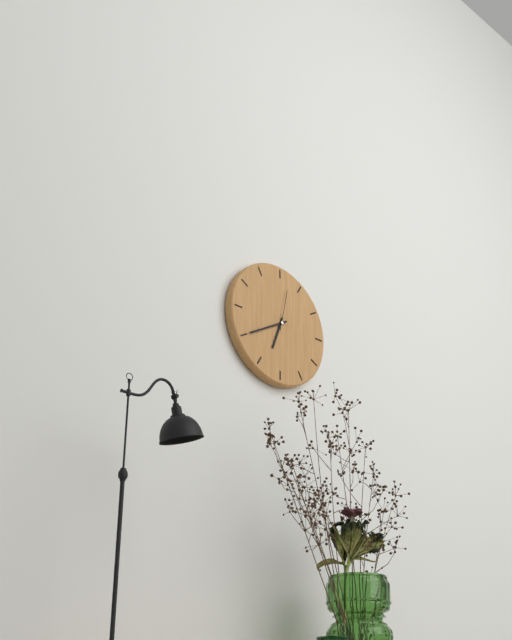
6:40
